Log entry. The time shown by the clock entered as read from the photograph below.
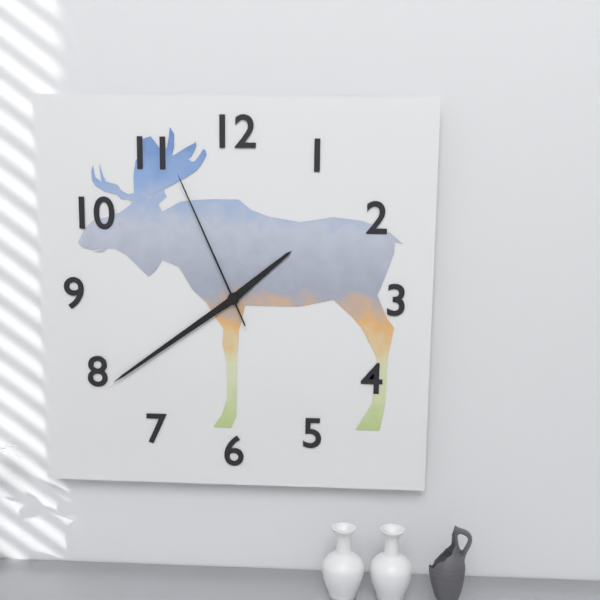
1:39:56
